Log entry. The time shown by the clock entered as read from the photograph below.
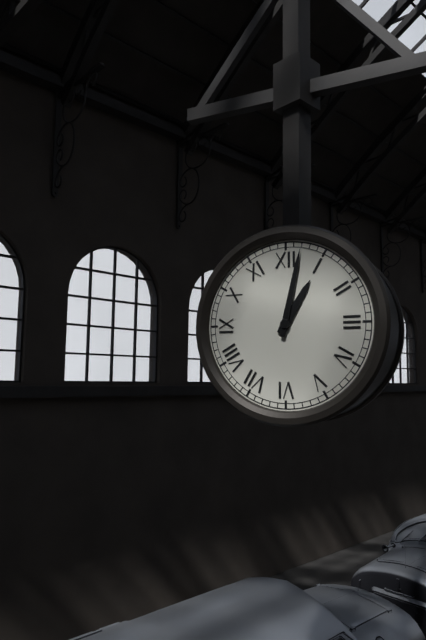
1:02
